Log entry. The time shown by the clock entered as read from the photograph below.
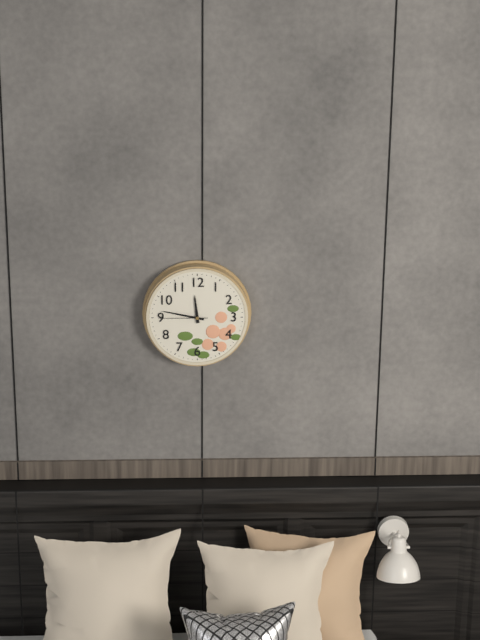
11:47:45
